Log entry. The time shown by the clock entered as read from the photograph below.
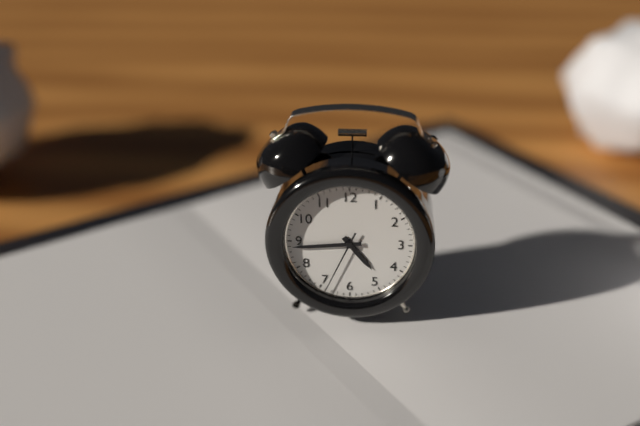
4:44:34
